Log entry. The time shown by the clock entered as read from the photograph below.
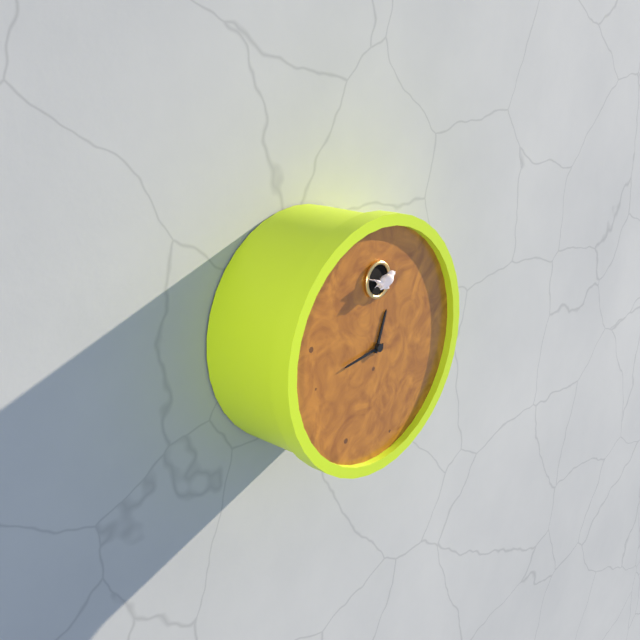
12:44
